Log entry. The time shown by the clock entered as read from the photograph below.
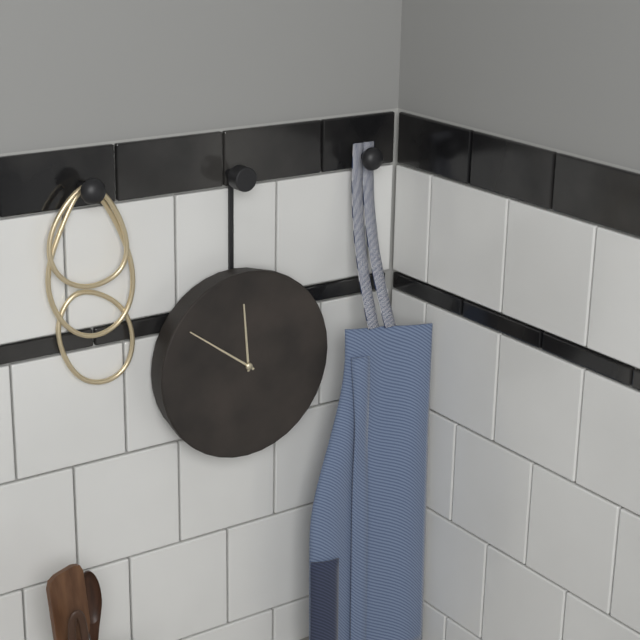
11:51
